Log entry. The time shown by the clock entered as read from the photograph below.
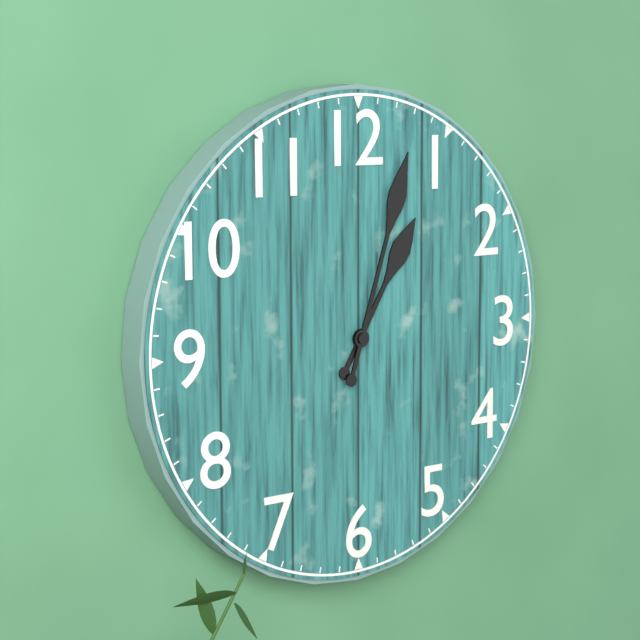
1:03
